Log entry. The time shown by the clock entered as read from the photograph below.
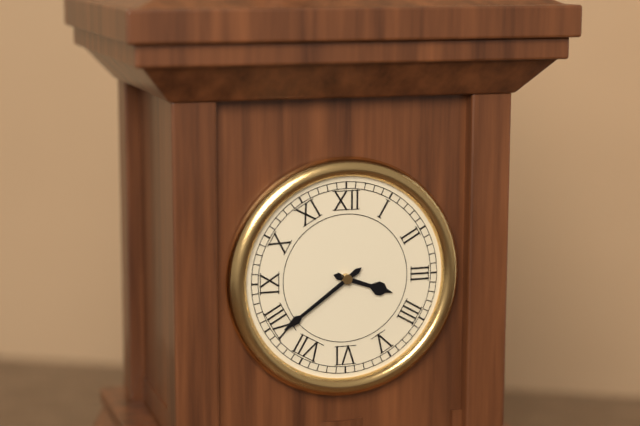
3:39
